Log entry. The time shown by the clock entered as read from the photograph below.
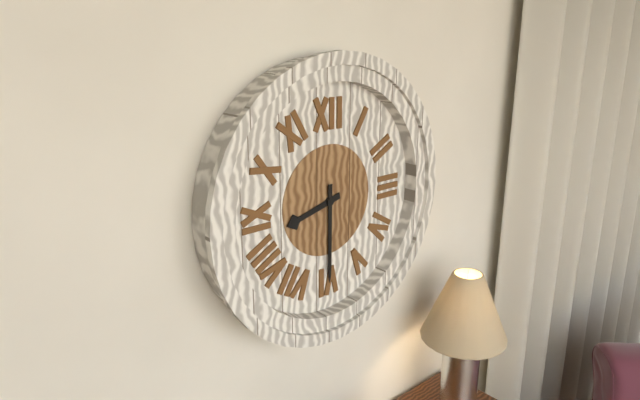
8:30
